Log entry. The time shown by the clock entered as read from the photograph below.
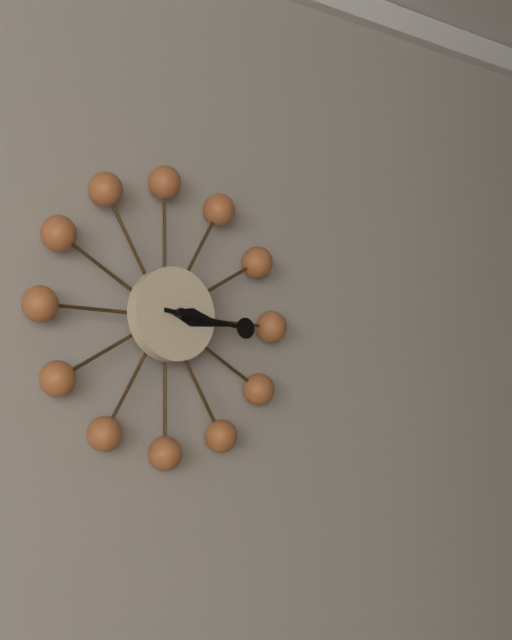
3:16
